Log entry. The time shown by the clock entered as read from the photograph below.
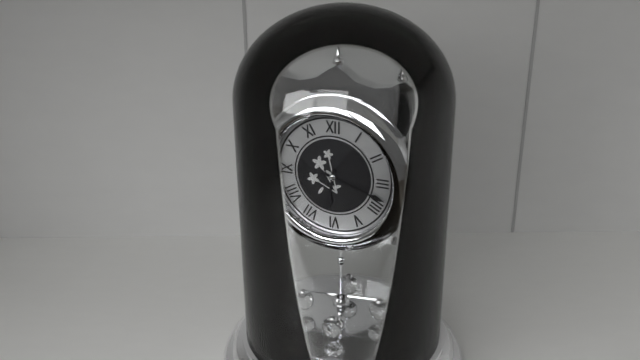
6:18
